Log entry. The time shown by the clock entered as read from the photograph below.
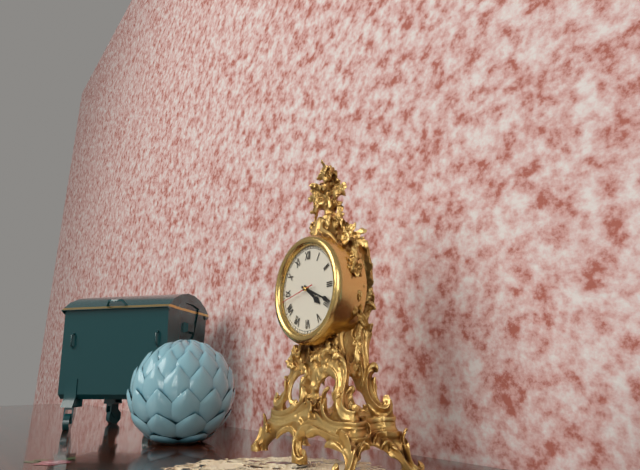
4:19
